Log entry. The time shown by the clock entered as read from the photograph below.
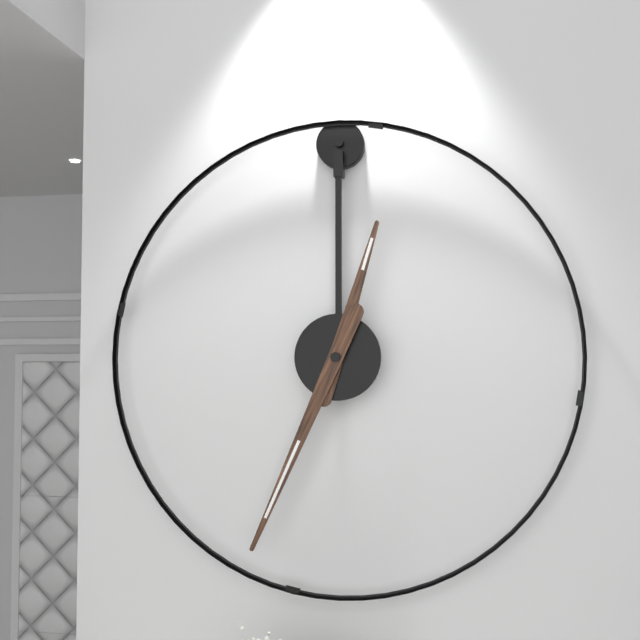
12:34
